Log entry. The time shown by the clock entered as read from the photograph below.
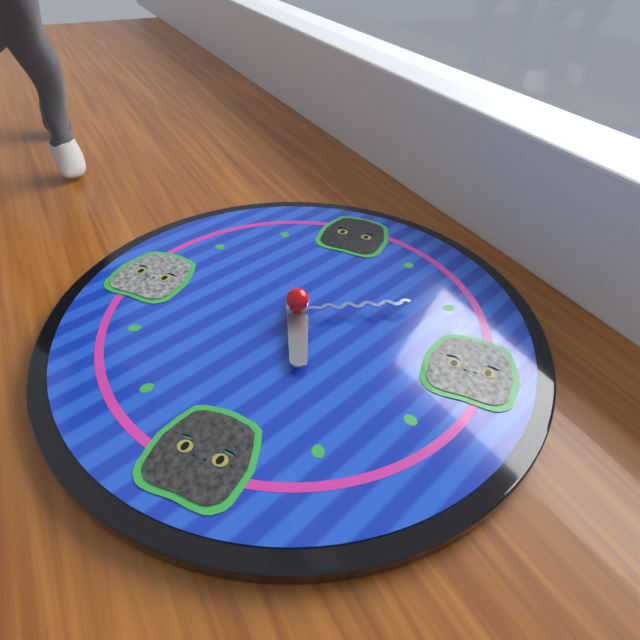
5:10
